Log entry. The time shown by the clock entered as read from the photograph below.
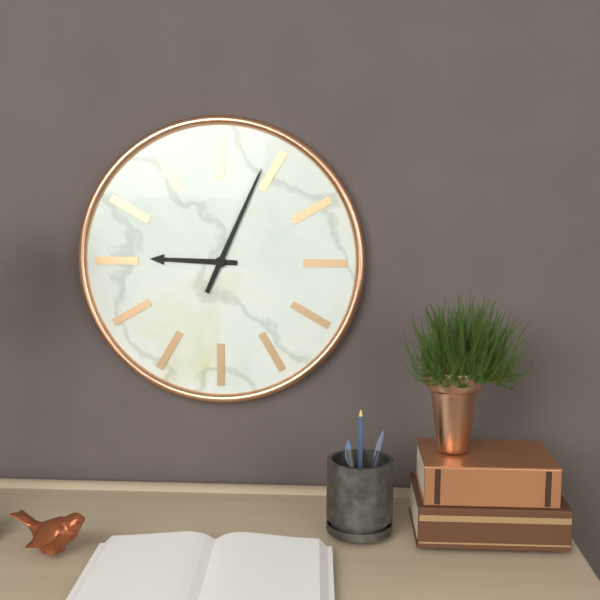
9:04
